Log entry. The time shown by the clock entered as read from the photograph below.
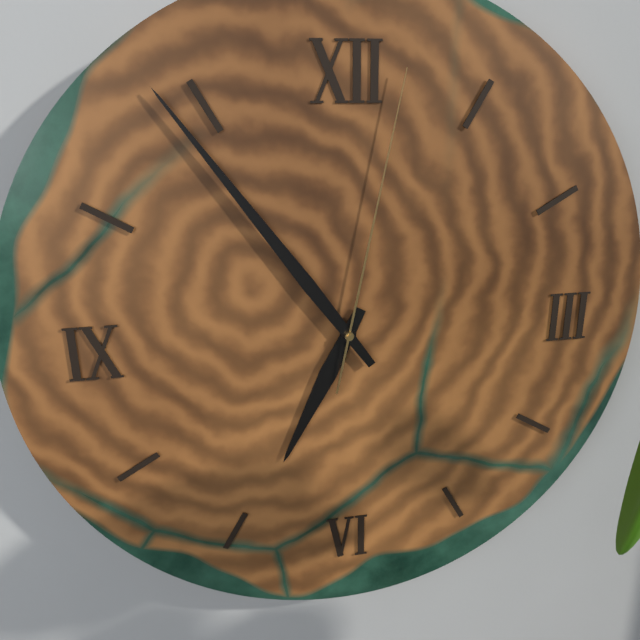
6:54:02
